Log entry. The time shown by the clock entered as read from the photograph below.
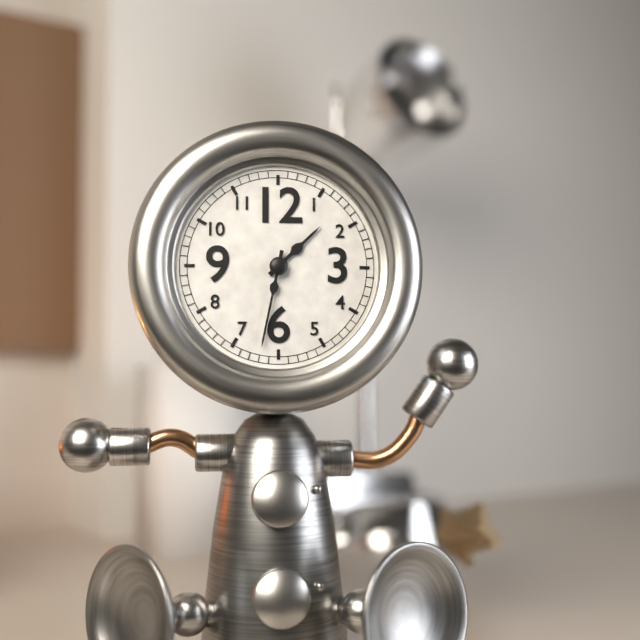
1:32
